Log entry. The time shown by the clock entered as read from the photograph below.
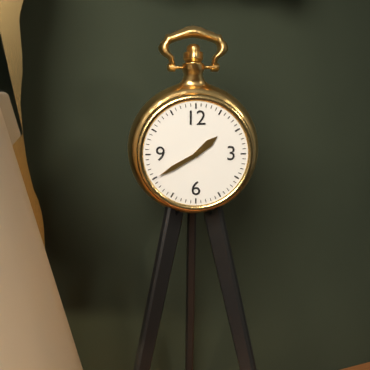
1:40
